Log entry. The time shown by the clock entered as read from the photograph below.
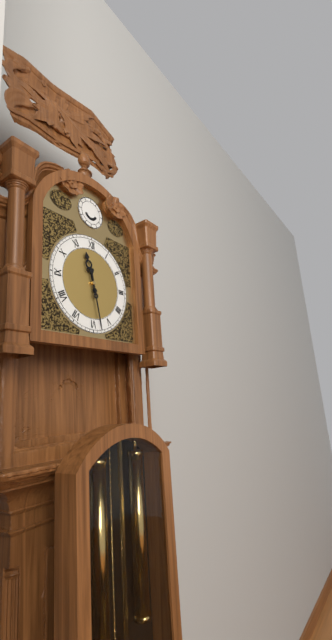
11:28
